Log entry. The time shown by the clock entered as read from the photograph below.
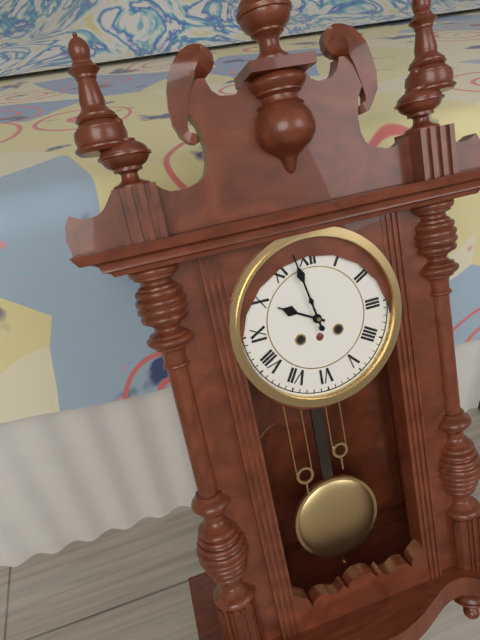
9:58
